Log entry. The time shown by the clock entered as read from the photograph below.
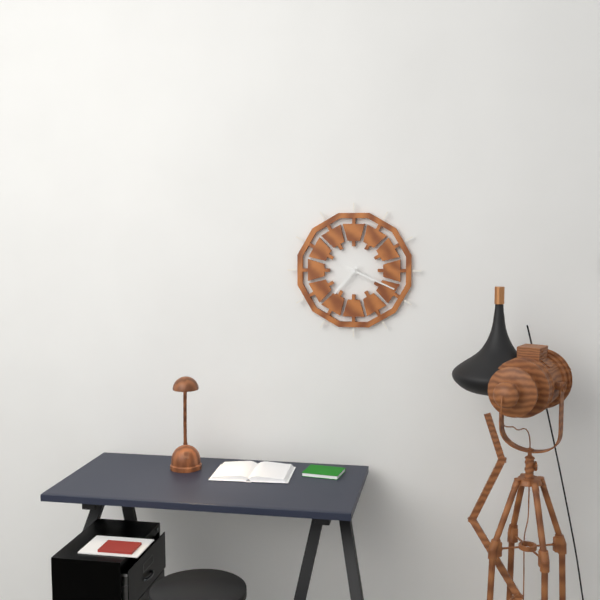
7:19
